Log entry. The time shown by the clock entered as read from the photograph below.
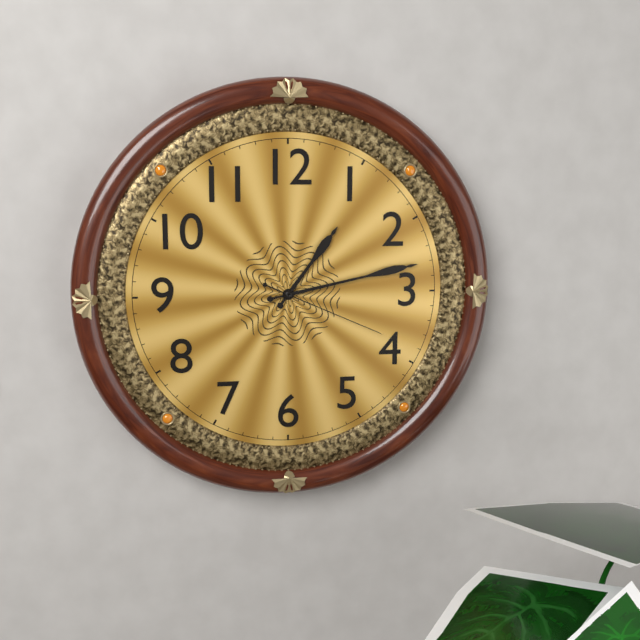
1:13:19
